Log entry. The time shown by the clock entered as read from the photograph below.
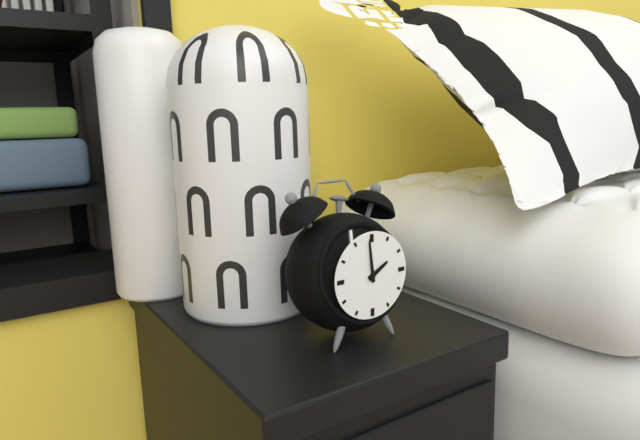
1:59
